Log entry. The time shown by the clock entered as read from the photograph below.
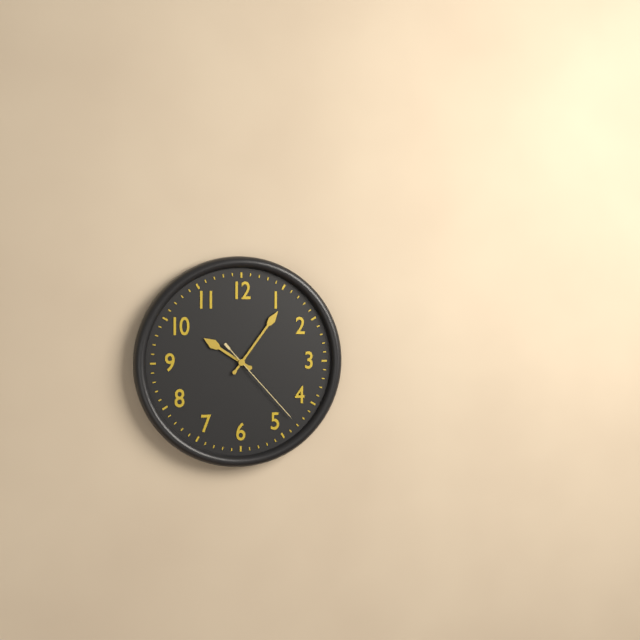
10:06:23
